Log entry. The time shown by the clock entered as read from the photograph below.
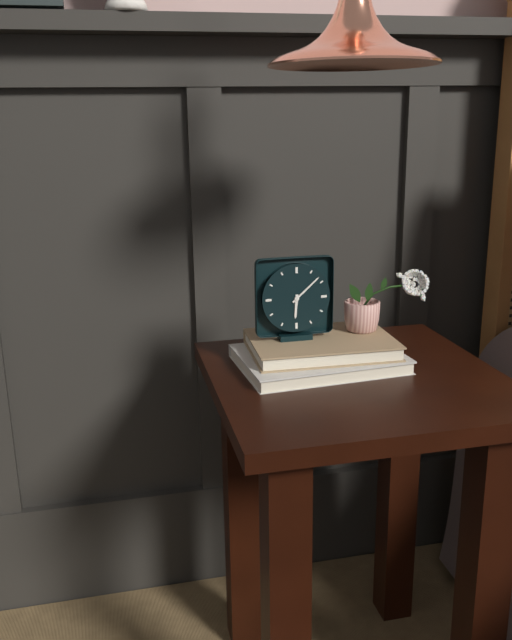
6:08
